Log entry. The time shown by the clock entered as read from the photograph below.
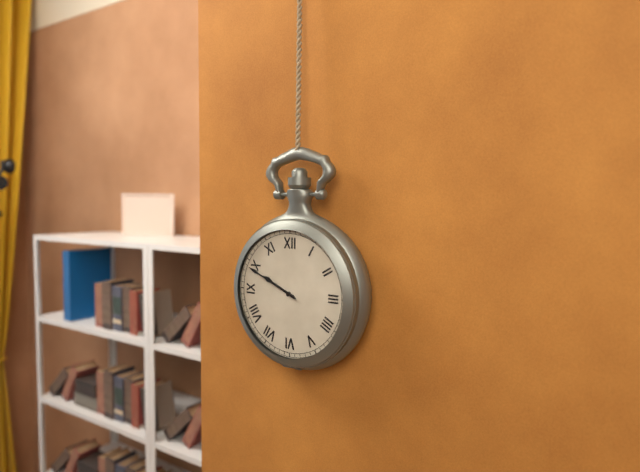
9:49
